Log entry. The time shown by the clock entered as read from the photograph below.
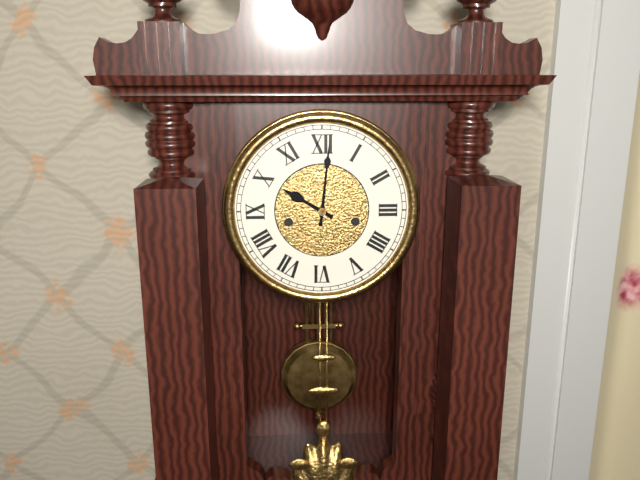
10:01
